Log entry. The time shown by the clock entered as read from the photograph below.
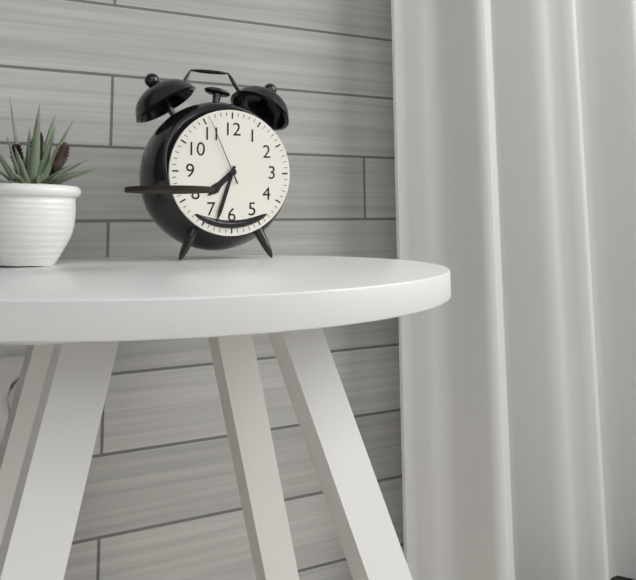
7:33:56
